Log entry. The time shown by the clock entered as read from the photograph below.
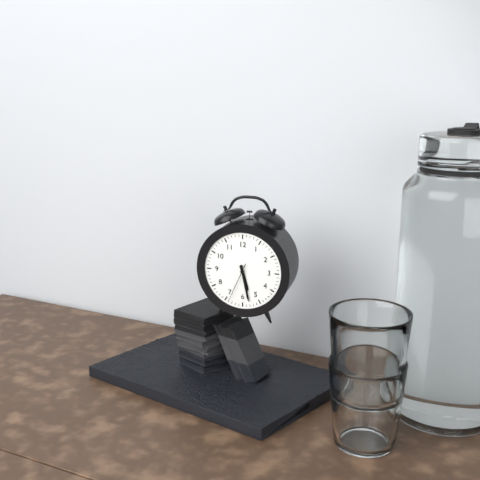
5:28
